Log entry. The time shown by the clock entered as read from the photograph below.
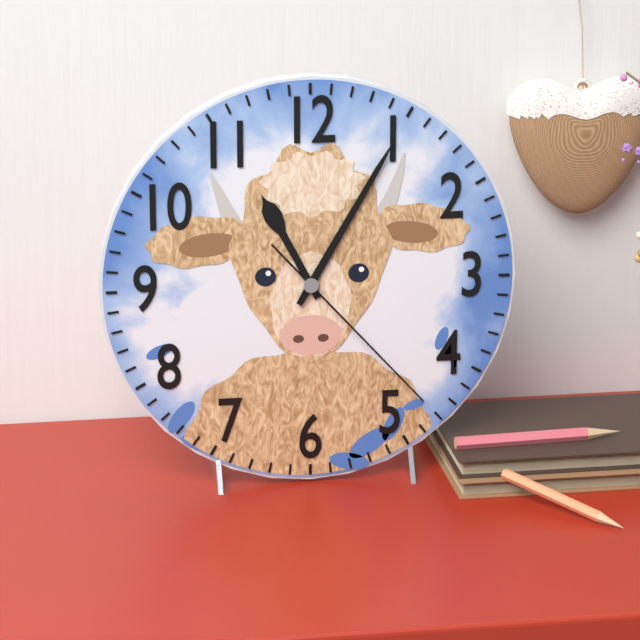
11:05:23
